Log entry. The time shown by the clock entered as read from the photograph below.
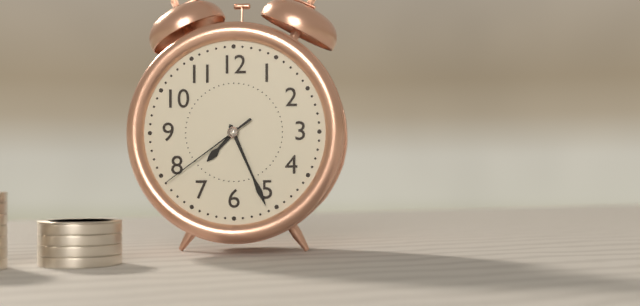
7:26:39
